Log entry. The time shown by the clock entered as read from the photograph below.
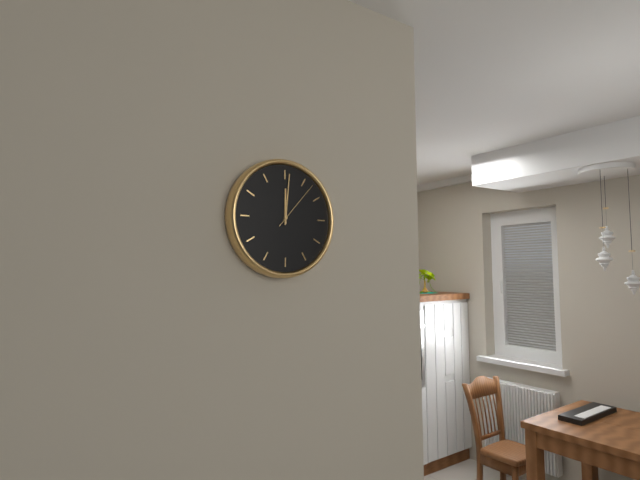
12:01:07
